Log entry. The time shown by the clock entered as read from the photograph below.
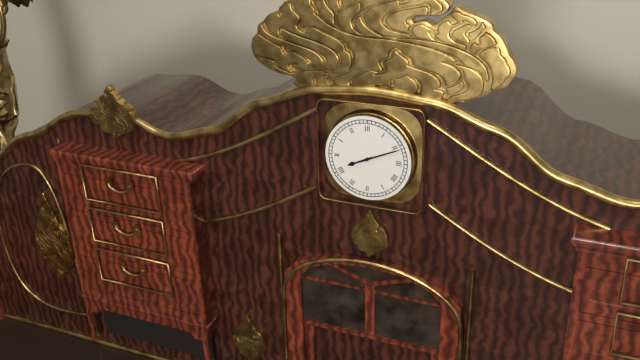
8:11
